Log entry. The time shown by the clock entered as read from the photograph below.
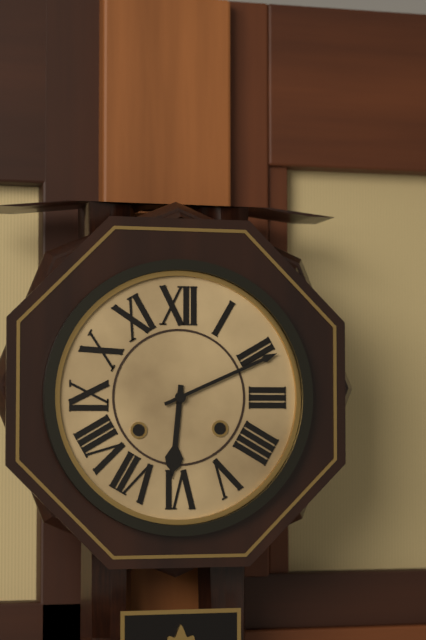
6:11
